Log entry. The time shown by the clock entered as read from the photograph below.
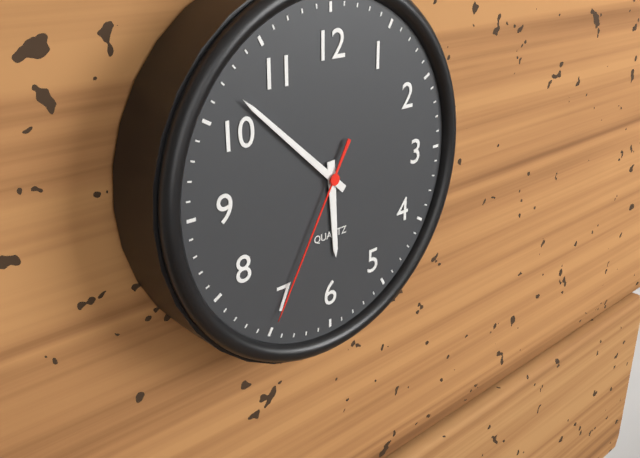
5:52:35
